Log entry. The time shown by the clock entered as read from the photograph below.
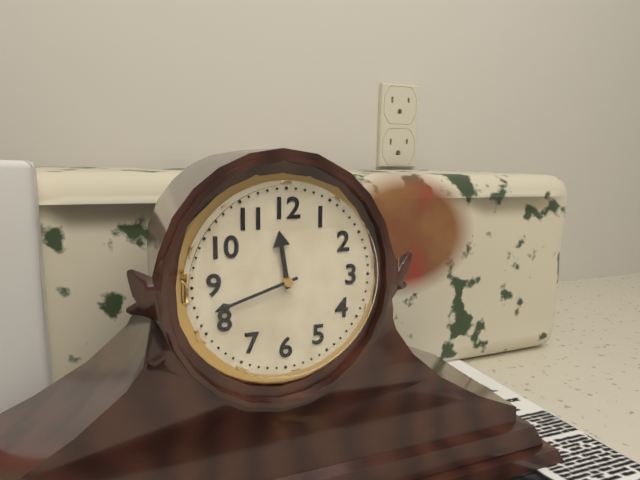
11:42
